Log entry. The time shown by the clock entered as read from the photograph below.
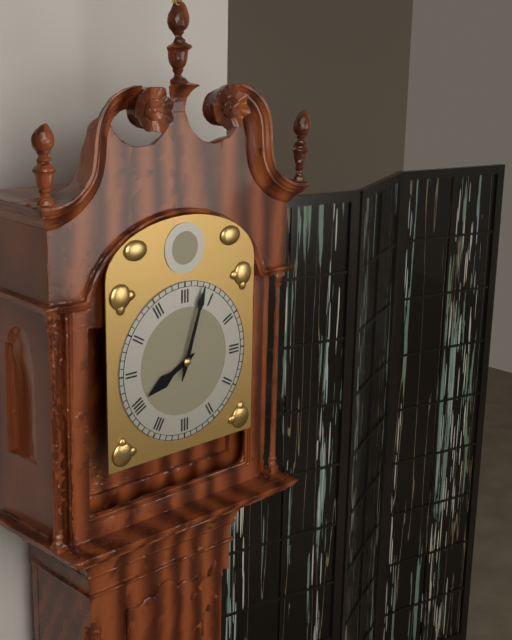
8:03
